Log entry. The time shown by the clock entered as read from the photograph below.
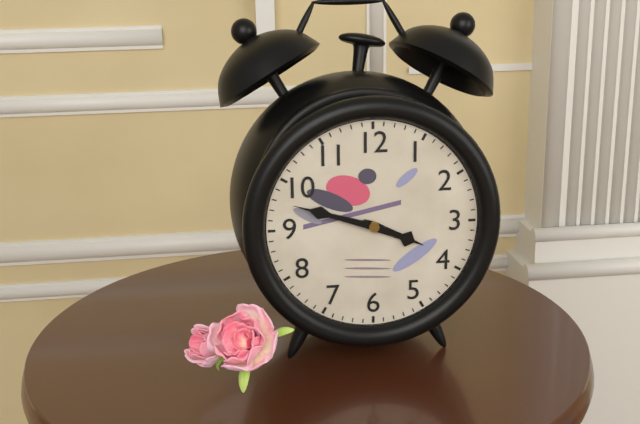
3:48
